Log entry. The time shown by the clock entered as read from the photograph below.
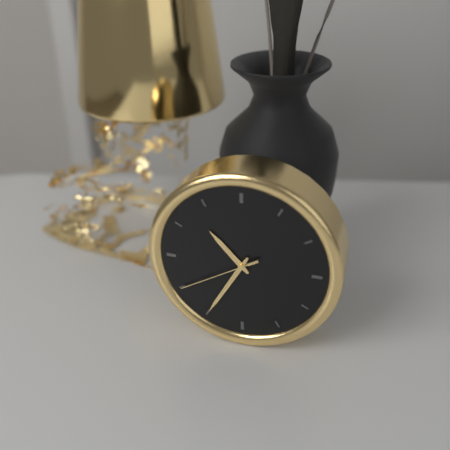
10:35:40
